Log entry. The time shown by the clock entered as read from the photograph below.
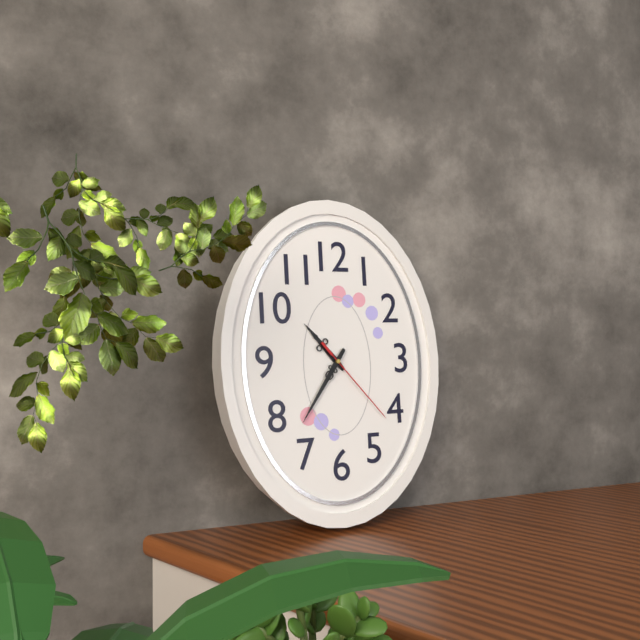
10:36:23
